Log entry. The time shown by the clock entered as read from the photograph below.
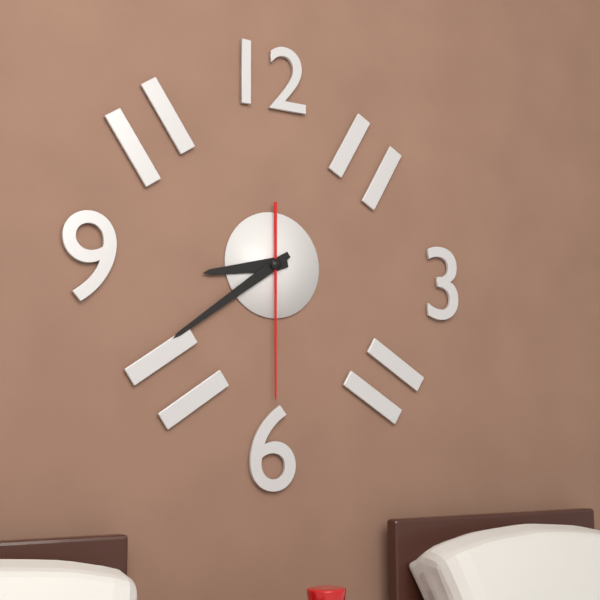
8:39:30
